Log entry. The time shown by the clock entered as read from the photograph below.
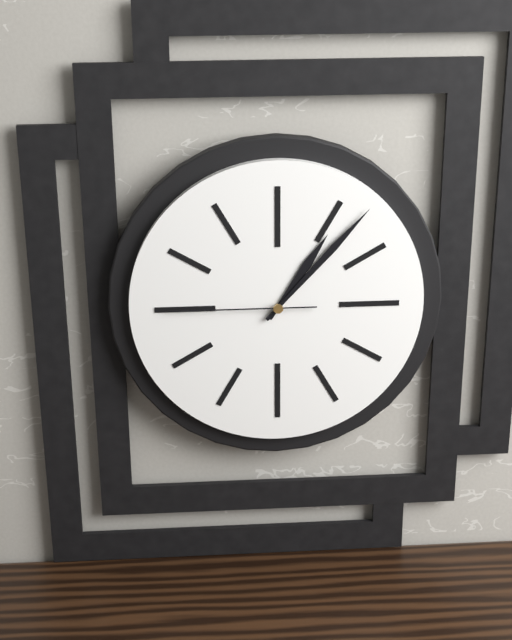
1:07:45
